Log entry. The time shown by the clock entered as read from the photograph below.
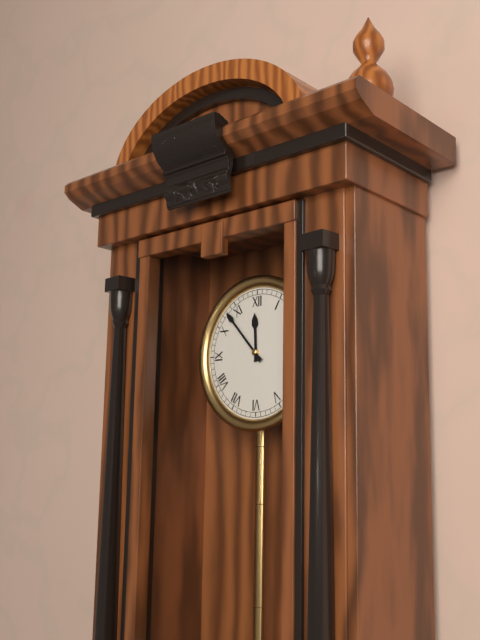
11:53
